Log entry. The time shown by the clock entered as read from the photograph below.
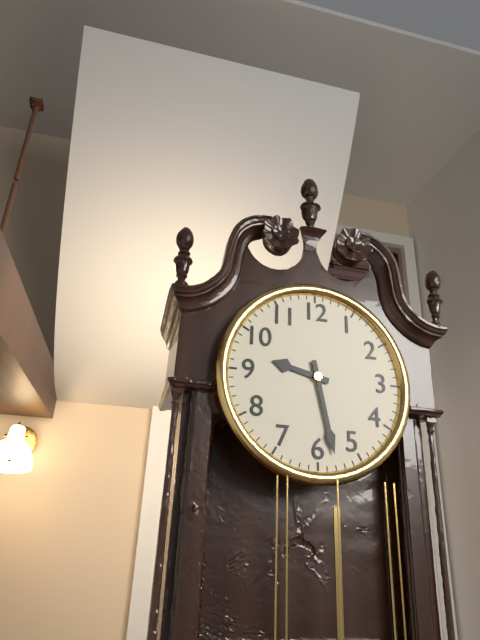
9:28
